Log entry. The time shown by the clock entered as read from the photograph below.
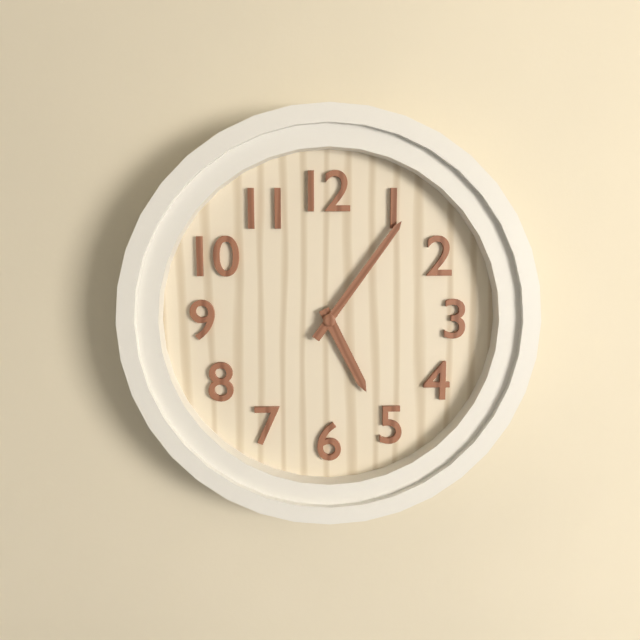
5:06
